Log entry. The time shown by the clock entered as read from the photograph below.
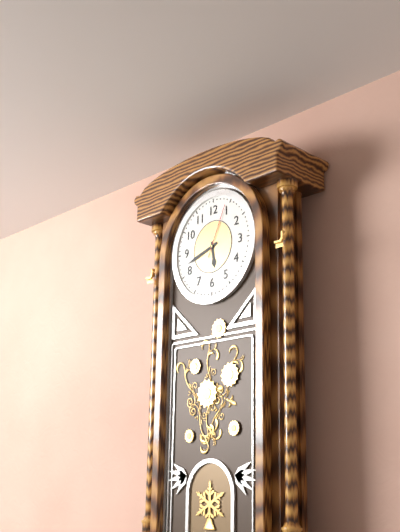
5:42:04
